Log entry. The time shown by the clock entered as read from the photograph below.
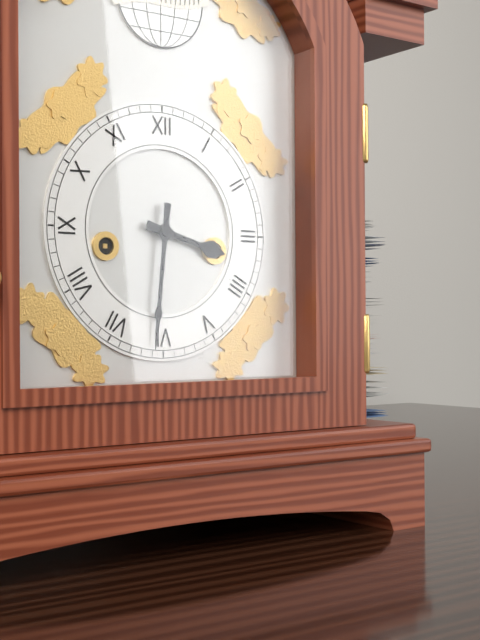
3:31
